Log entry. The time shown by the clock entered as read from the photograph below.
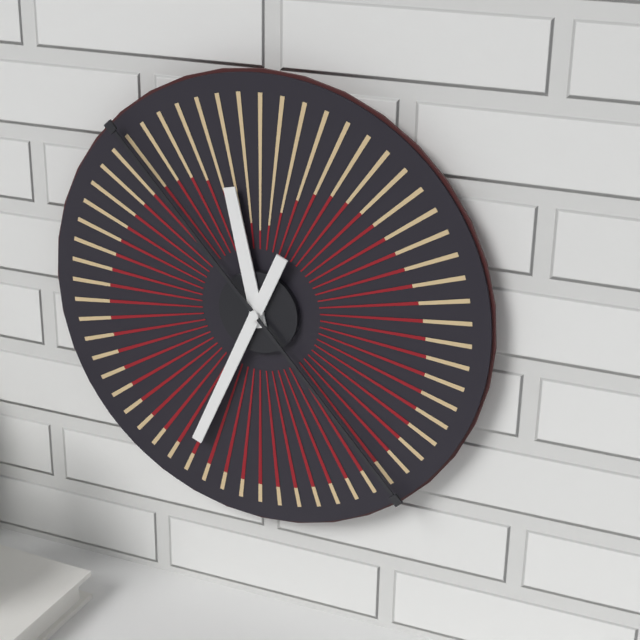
11:34
